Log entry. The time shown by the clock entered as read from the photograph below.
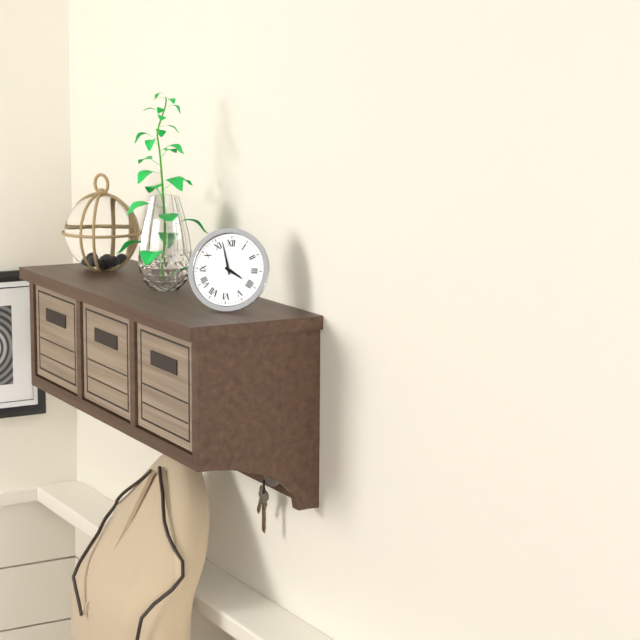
3:57
